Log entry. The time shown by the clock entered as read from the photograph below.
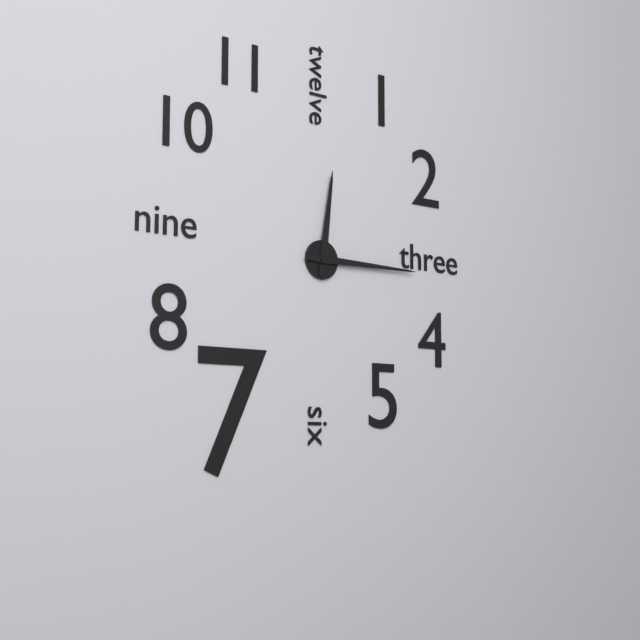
12:15
